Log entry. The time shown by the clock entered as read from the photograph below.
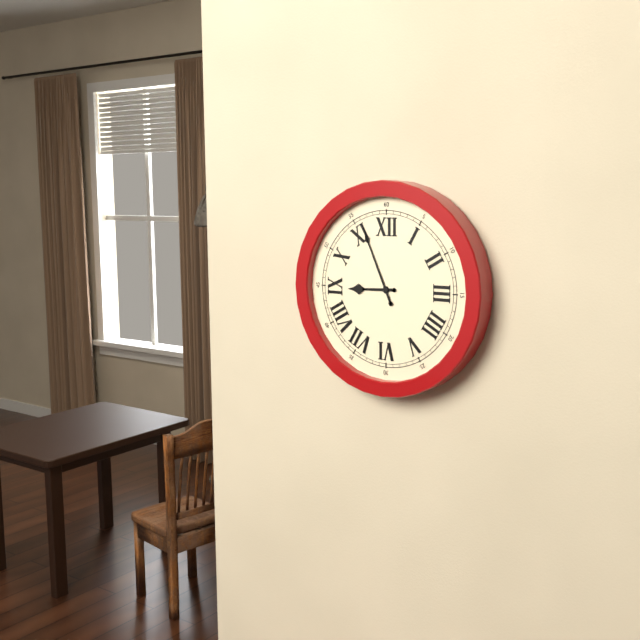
8:56
